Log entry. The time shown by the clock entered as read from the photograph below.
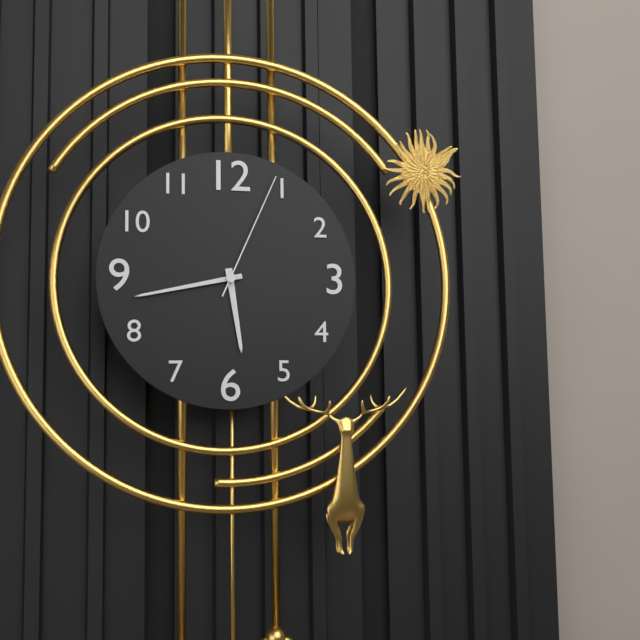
5:43:04
